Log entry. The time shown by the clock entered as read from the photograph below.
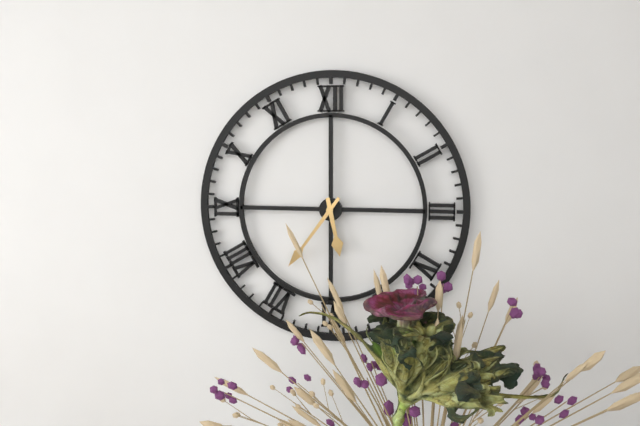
5:36
